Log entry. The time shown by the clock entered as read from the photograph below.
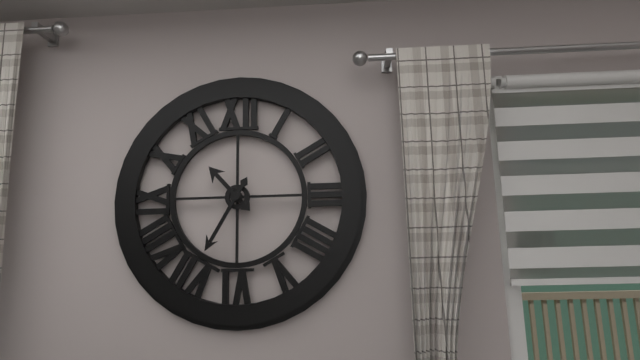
10:35
